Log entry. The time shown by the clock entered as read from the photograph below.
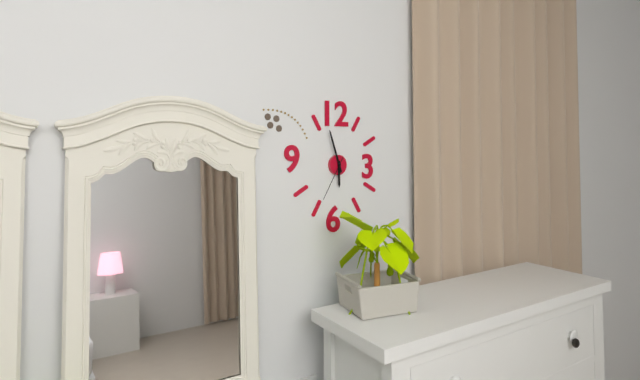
5:57
